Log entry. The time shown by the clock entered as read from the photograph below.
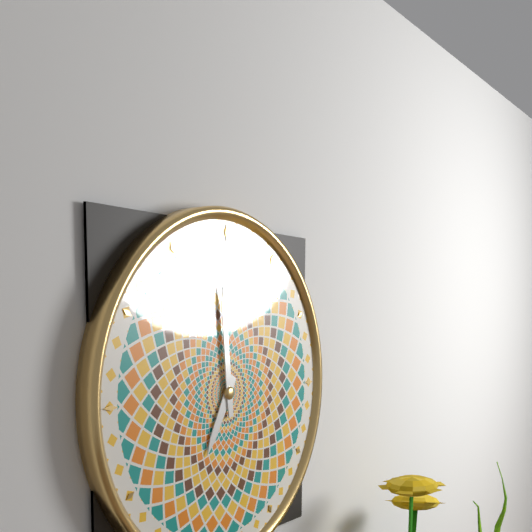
6:59
